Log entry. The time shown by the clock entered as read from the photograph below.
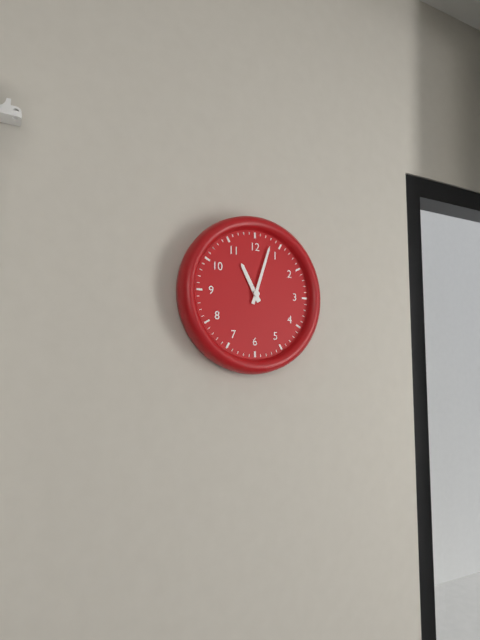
11:03
